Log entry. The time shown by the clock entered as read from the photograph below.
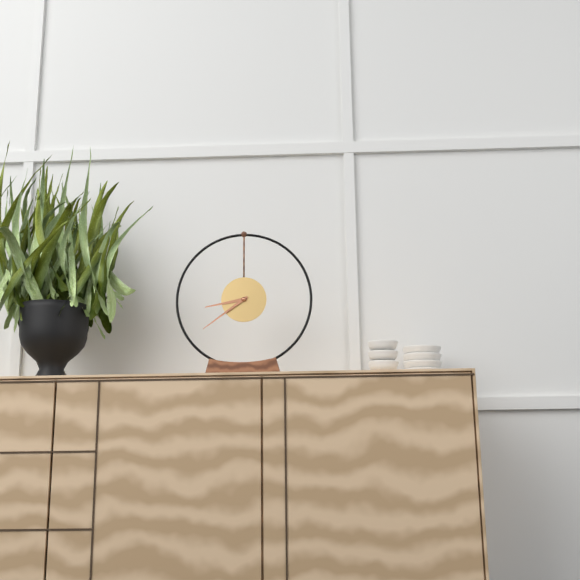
8:39
